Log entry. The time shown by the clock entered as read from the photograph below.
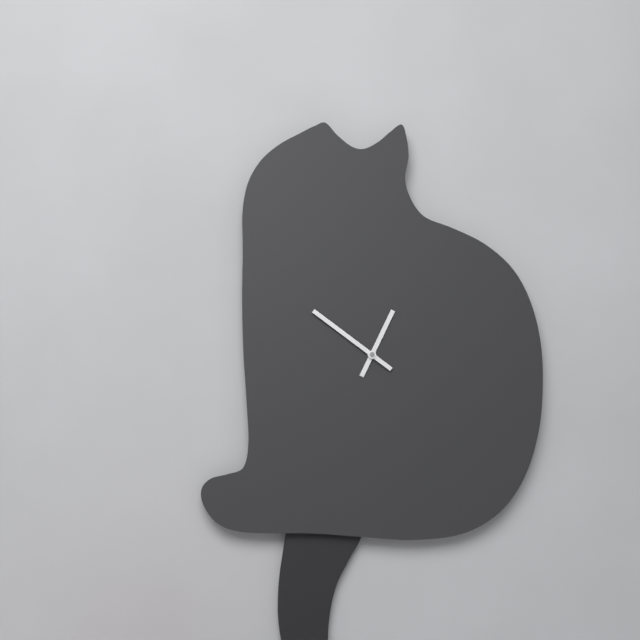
12:51
